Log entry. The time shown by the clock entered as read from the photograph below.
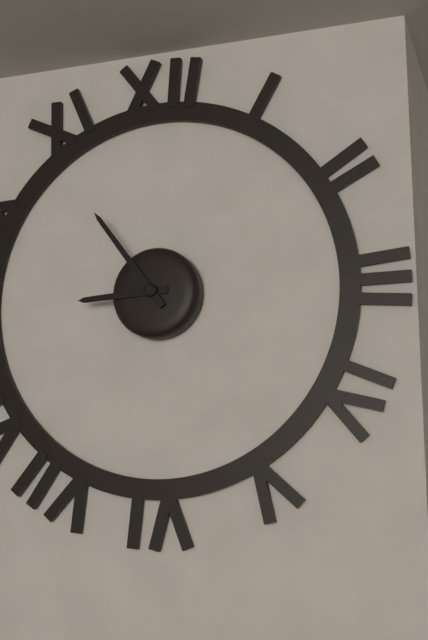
8:54
